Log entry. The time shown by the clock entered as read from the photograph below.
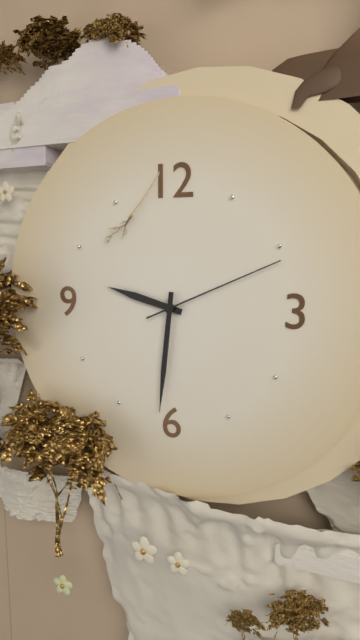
9:31:11
